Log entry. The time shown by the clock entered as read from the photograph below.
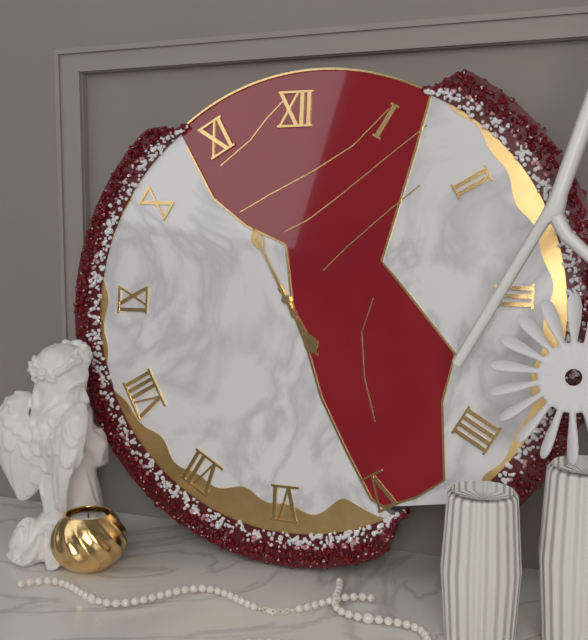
4:55
